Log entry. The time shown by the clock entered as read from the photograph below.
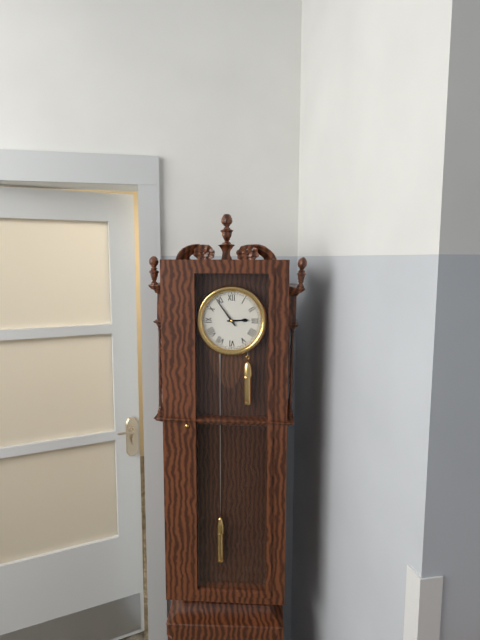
2:54
